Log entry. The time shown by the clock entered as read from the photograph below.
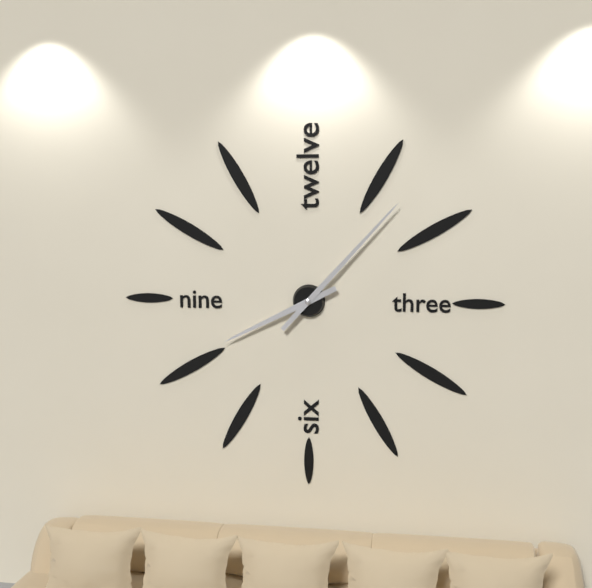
8:07
